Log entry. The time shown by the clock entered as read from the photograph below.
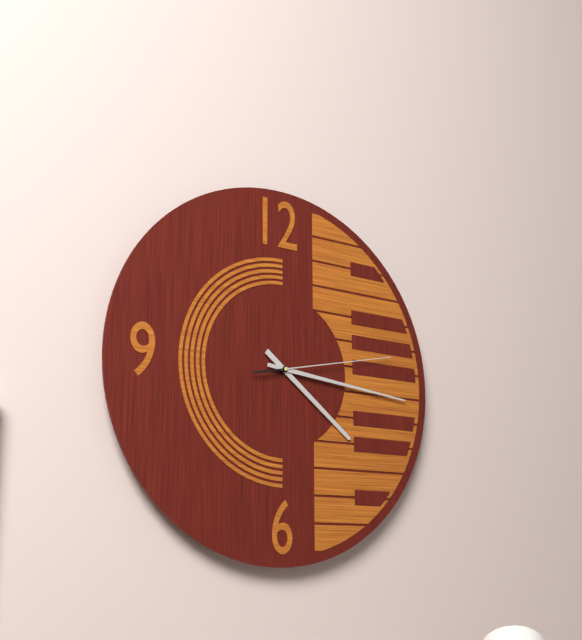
4:16:13
